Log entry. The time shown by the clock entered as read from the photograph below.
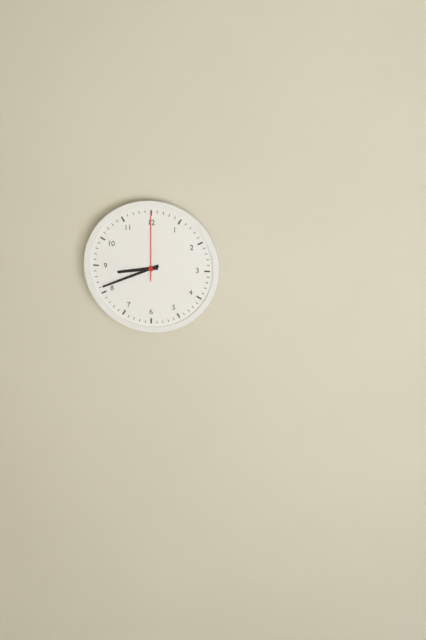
8:41:00
